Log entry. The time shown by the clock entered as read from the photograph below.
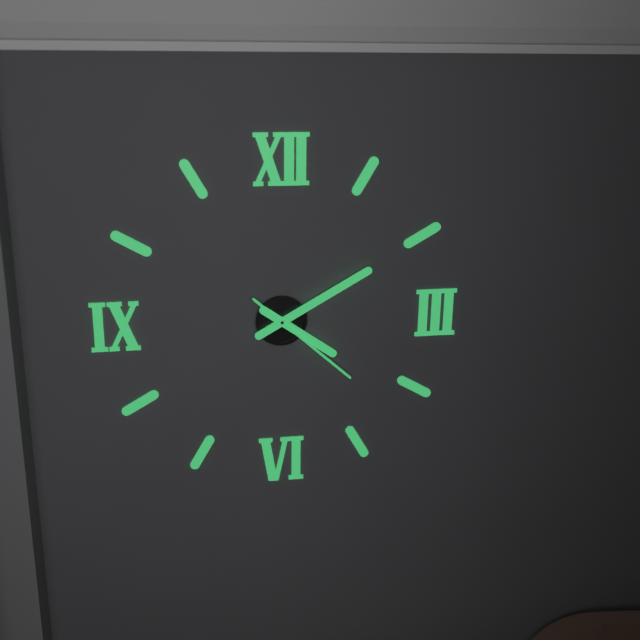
4:10:22
